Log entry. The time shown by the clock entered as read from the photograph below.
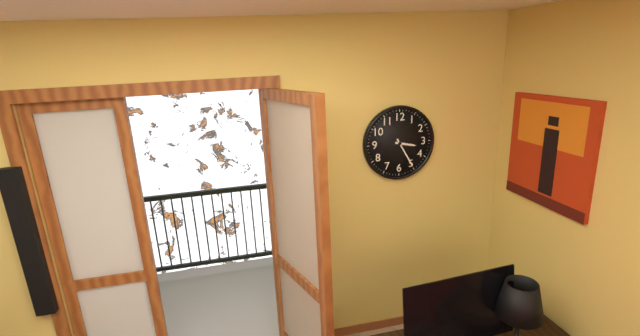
3:25
